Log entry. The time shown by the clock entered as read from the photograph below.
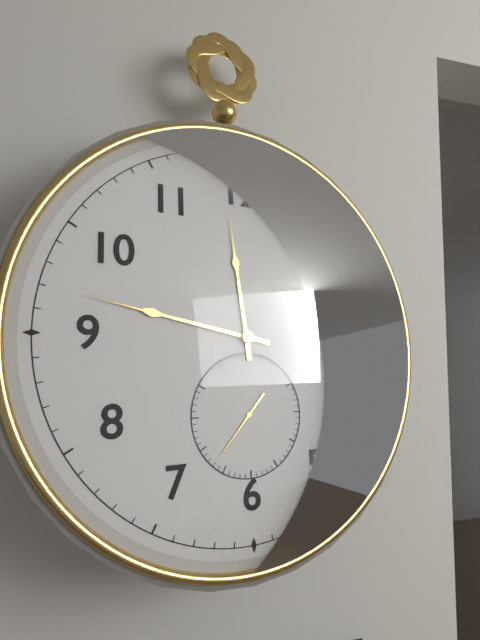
11:47:37
